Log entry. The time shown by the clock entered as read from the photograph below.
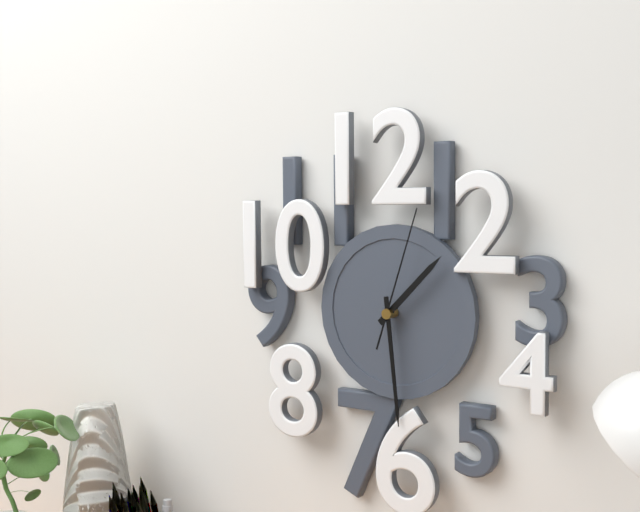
1:29:03
